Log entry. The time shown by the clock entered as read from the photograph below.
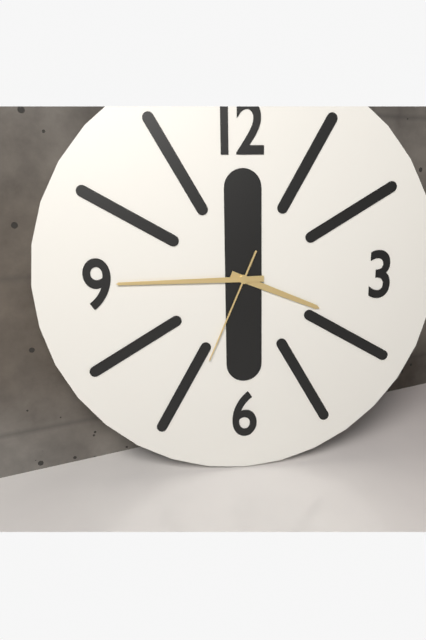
3:45:34
